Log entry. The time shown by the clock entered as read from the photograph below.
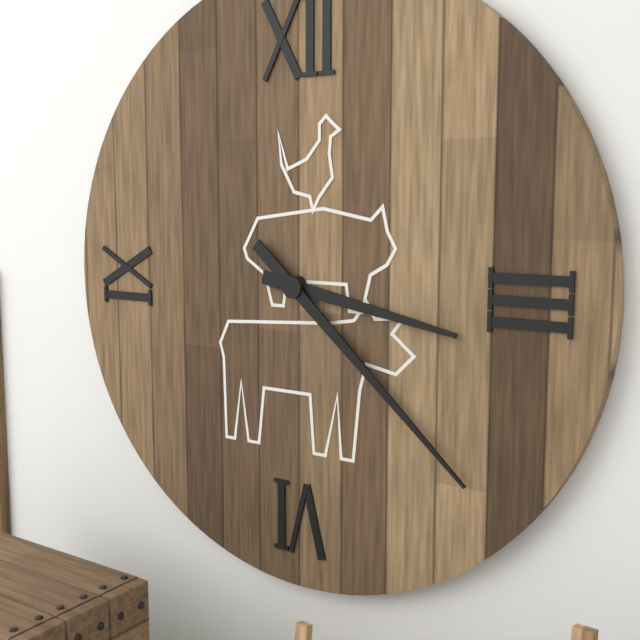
3:22
